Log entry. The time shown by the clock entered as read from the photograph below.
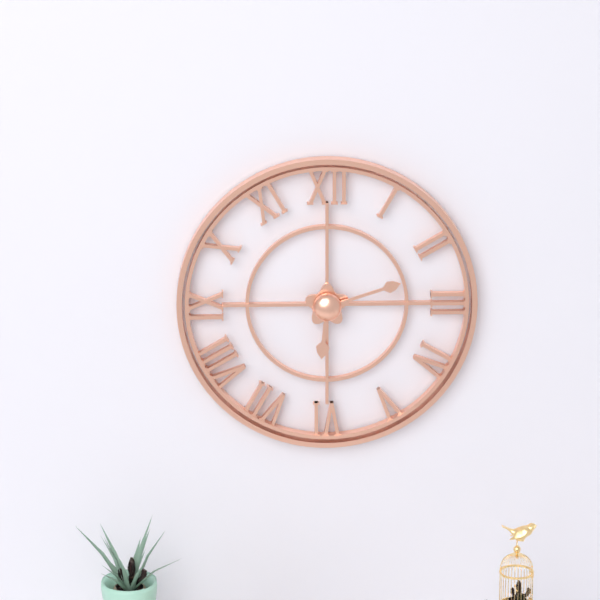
6:12
